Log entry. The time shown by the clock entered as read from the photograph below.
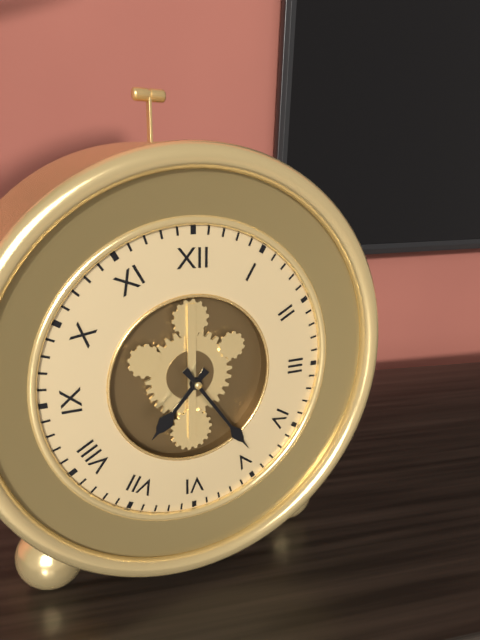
7:24
